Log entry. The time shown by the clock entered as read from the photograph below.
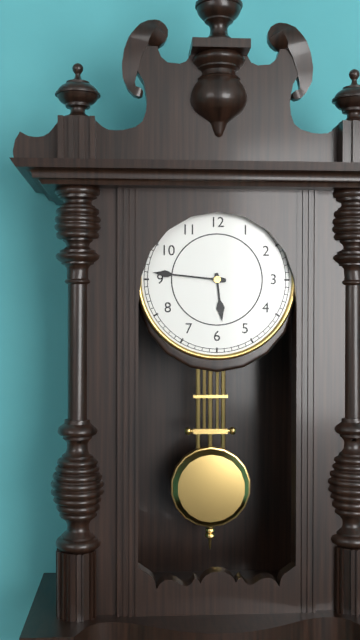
5:46
